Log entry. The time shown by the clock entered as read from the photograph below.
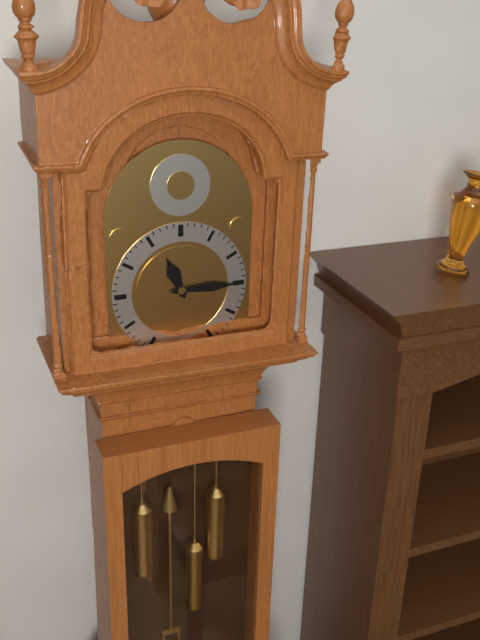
11:15
